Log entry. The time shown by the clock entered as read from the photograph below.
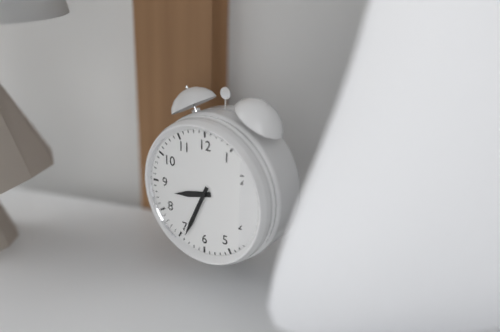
8:34
